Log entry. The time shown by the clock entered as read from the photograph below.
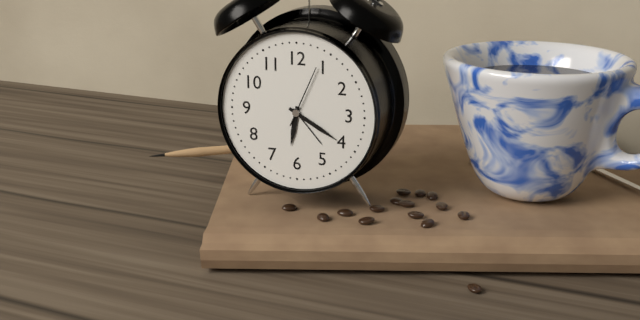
6:20
